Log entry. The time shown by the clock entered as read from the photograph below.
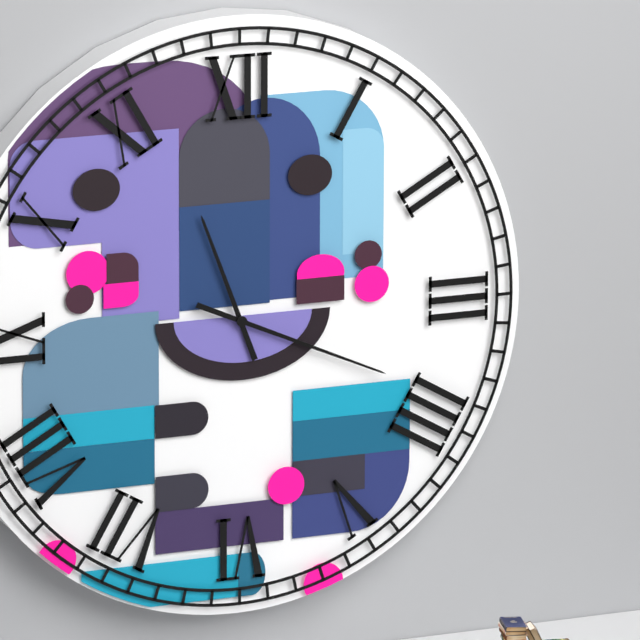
11:19
